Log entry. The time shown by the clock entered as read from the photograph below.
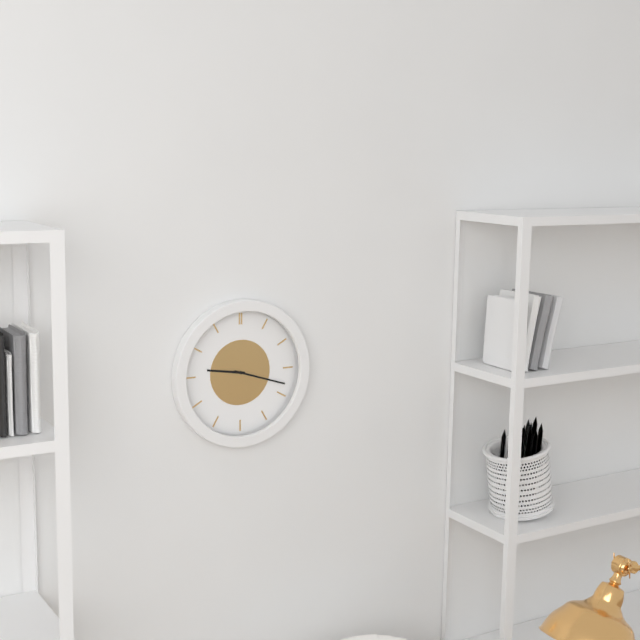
9:18
